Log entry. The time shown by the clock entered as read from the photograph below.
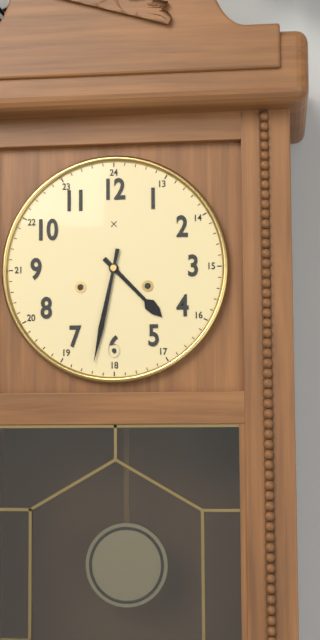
4:32
